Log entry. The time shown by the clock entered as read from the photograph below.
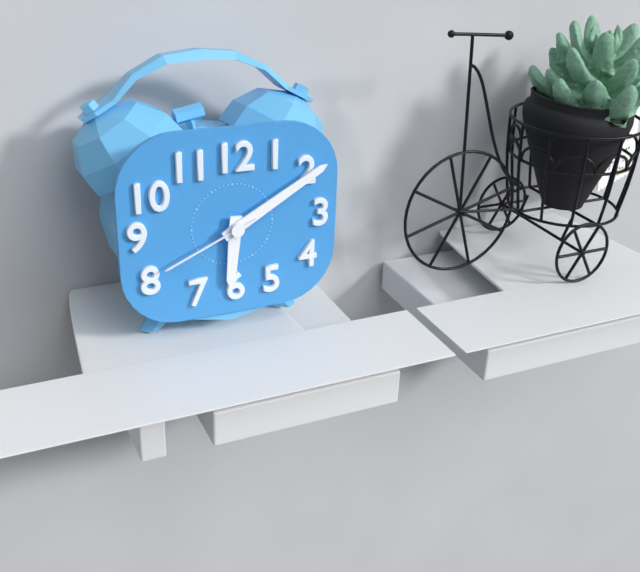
6:10:41
